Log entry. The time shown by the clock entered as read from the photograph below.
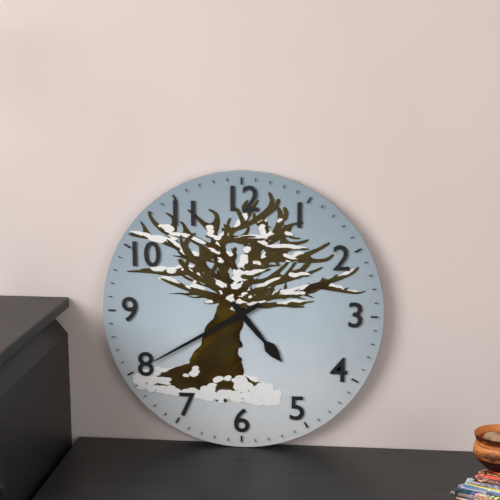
4:40
